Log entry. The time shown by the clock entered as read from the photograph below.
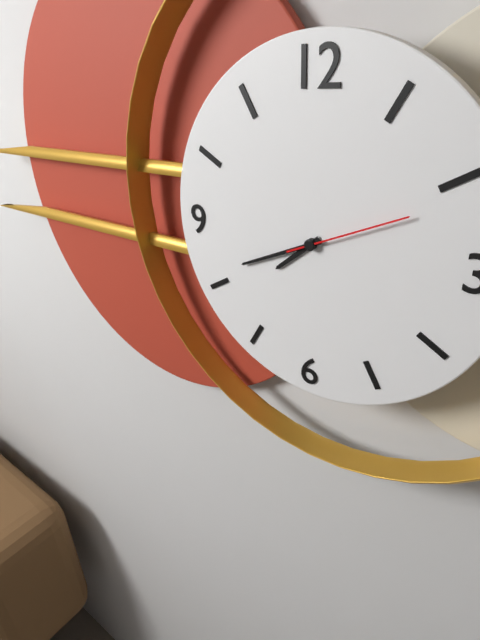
7:41:11
